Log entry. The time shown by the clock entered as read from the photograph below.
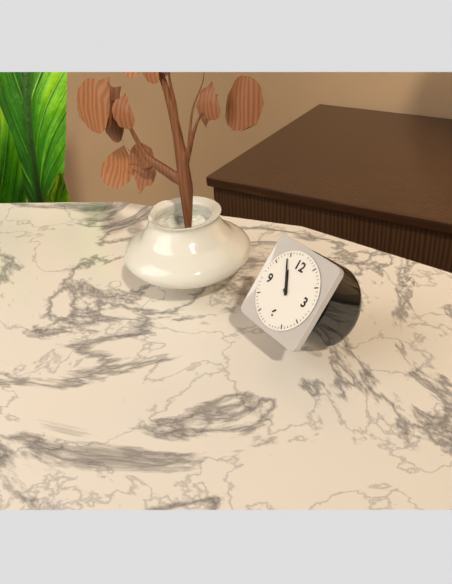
10:54
